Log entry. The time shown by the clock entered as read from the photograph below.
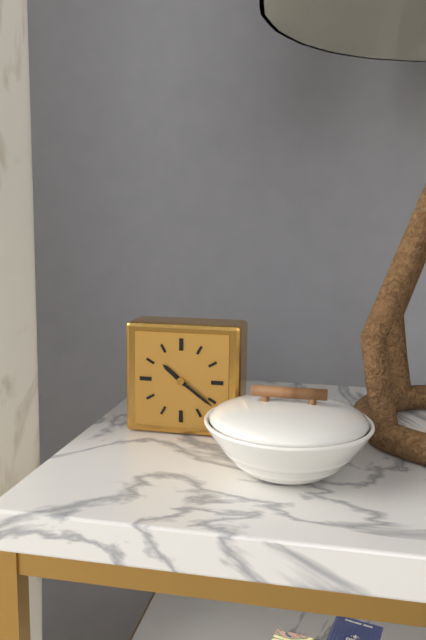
10:21
